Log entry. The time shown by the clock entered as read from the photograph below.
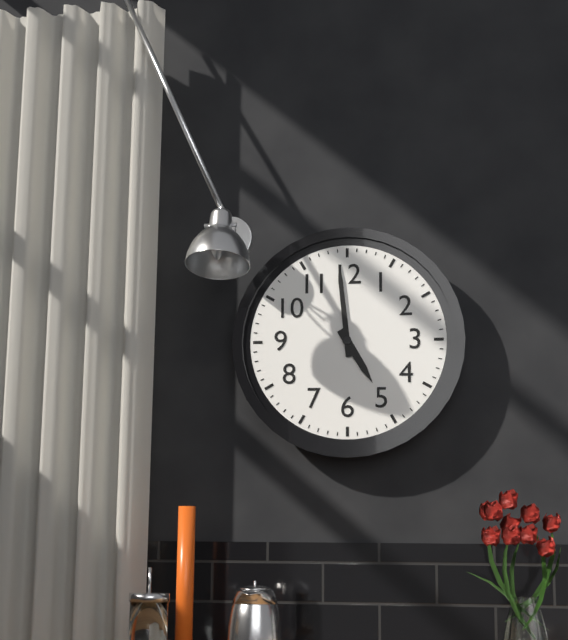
4:59
